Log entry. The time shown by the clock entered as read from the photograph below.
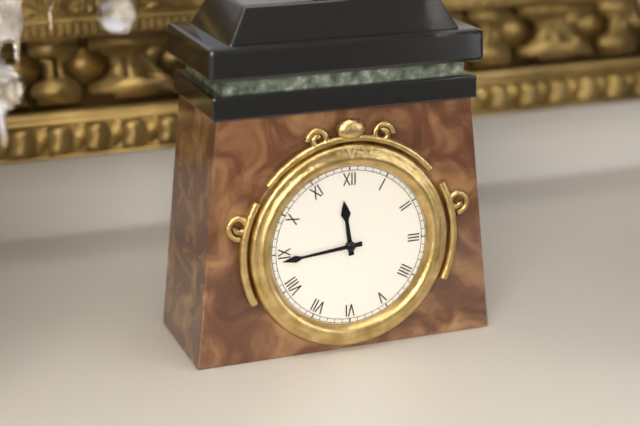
11:44
